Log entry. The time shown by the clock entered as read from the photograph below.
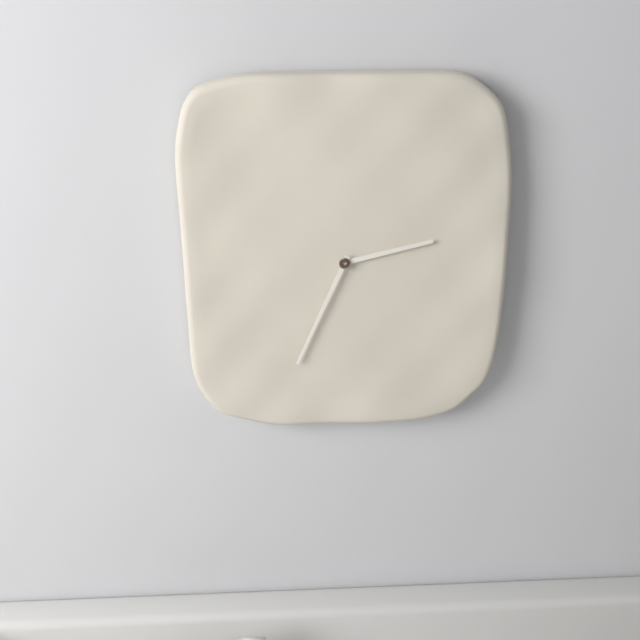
2:34
